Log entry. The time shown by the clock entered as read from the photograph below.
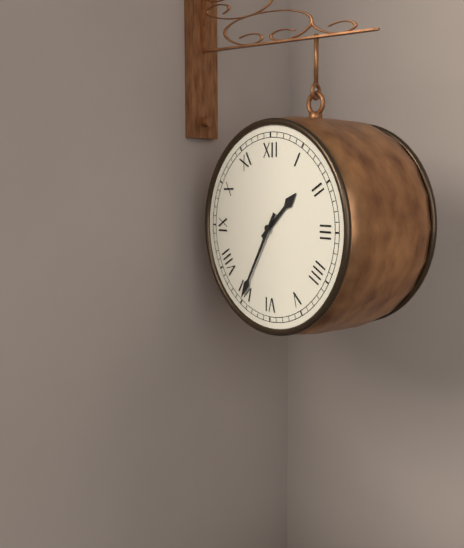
1:35
